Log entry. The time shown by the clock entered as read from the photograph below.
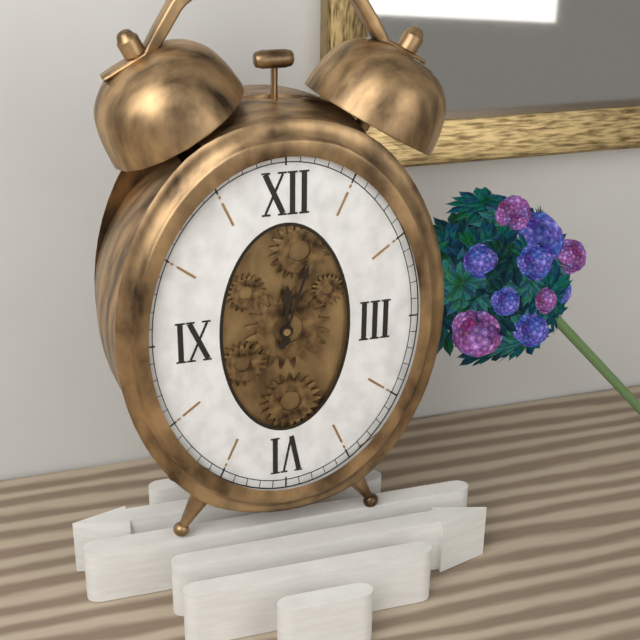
12:03
